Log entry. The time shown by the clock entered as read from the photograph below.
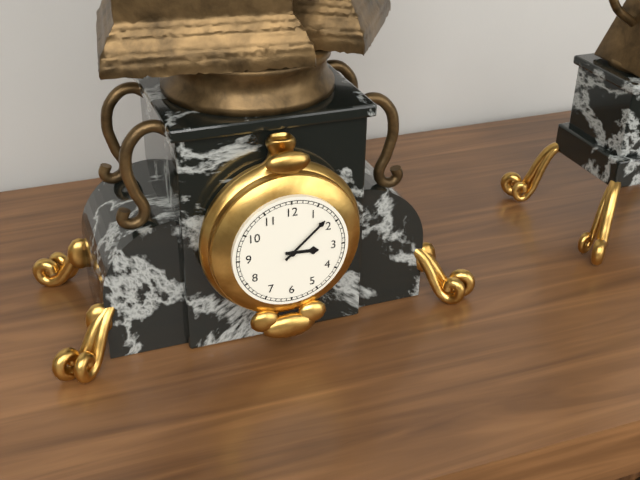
3:08
